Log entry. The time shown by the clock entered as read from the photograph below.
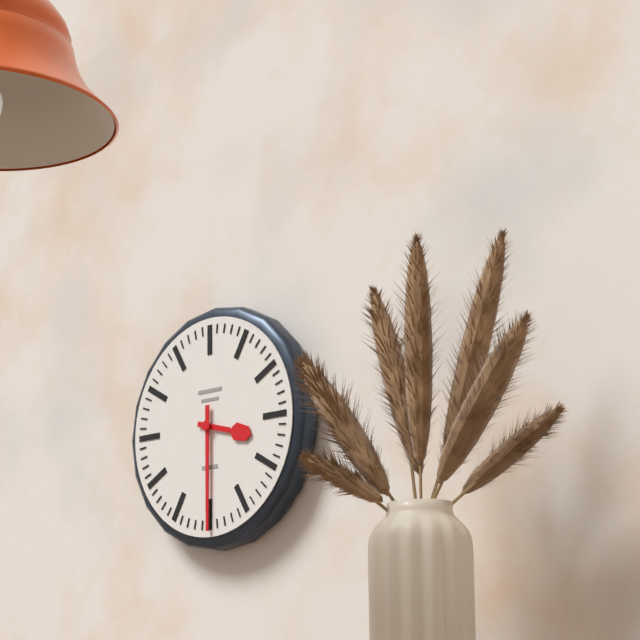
3:30
